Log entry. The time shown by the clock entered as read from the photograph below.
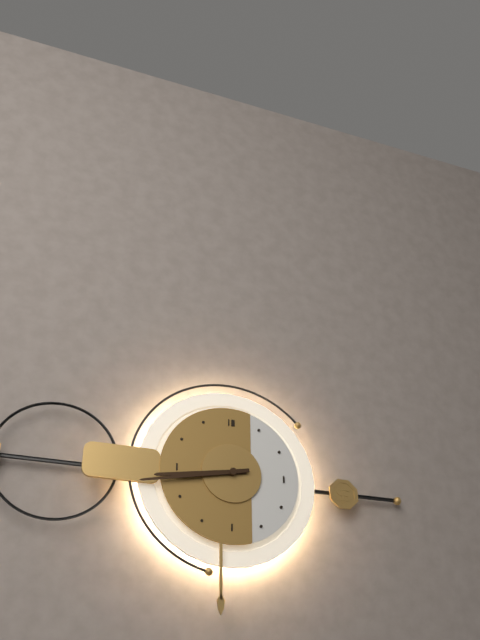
8:43
